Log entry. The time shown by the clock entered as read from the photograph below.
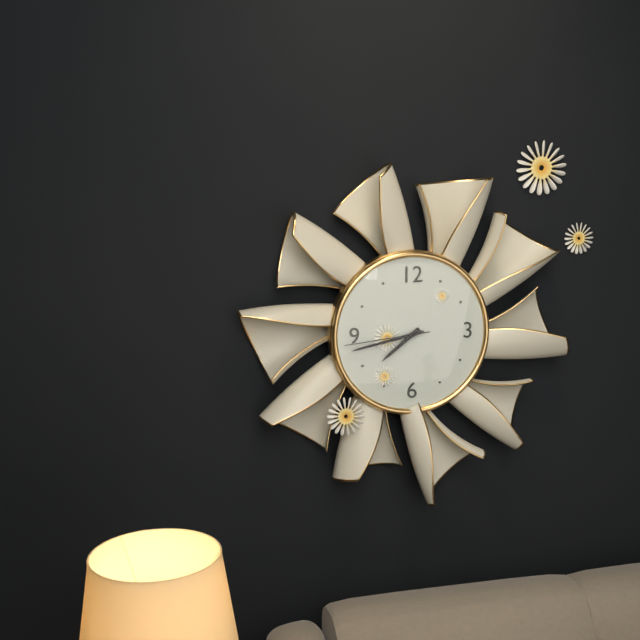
7:43:44
